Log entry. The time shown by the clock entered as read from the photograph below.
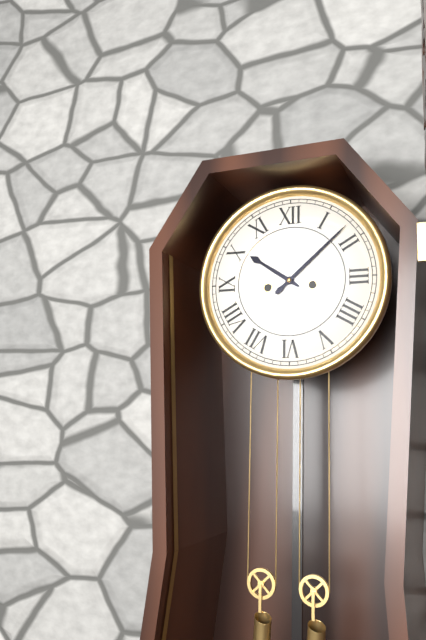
10:08
